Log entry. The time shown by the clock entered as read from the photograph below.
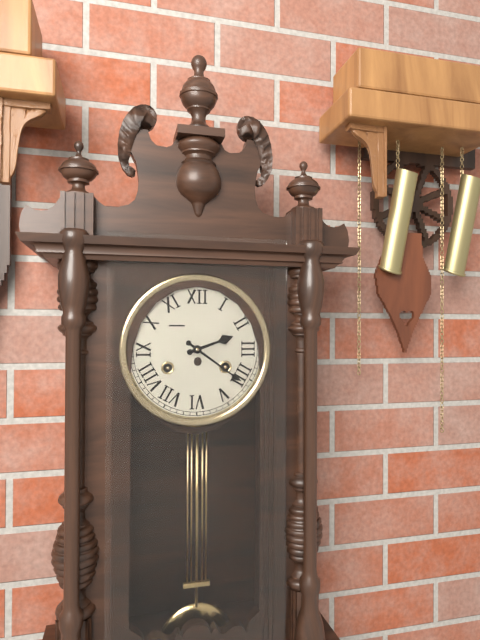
2:21
